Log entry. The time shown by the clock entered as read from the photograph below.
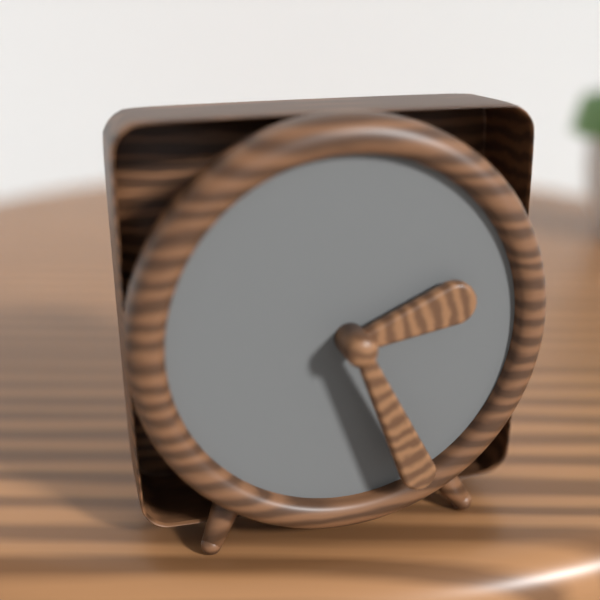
2:26
